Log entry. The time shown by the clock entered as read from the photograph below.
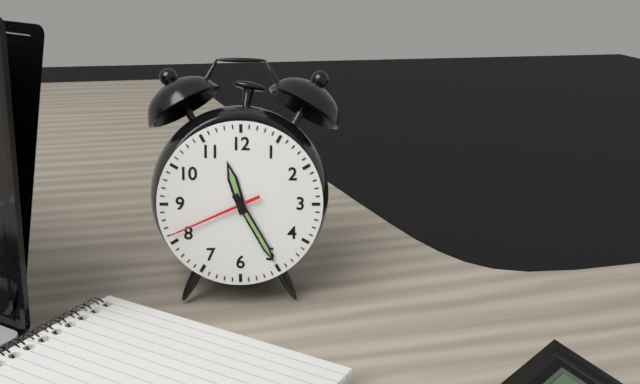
11:25:41
